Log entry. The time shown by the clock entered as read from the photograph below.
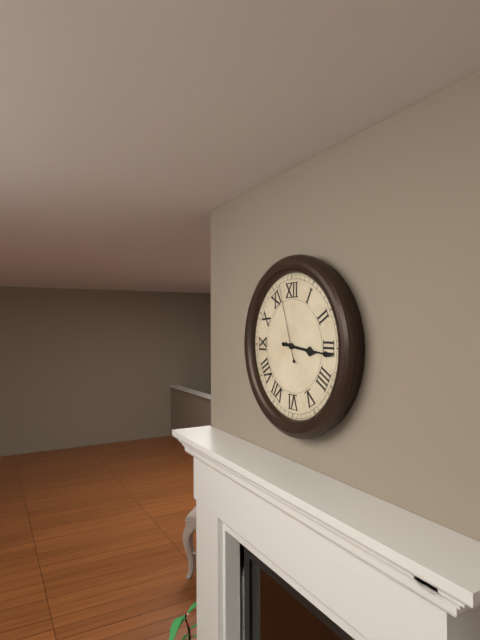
3:16:57
